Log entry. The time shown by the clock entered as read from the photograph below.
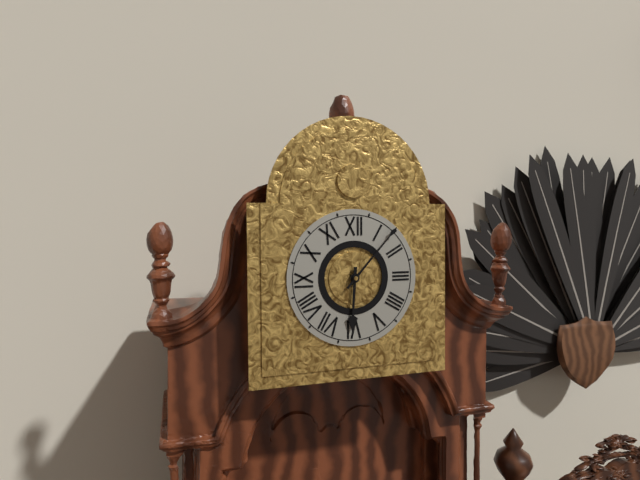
6:07
